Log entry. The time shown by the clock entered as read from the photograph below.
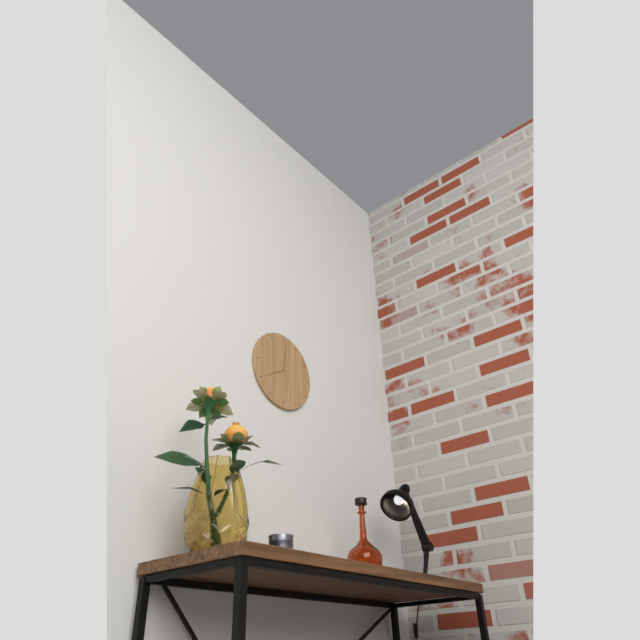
8:01
